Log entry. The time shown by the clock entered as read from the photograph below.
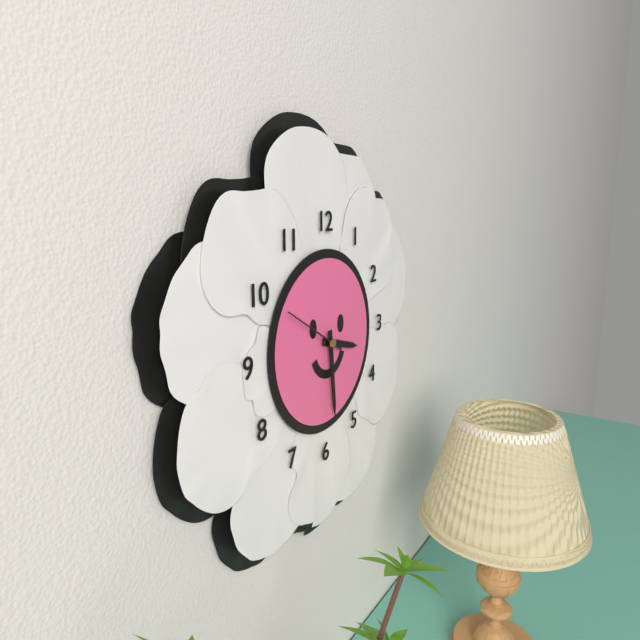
3:29:50
